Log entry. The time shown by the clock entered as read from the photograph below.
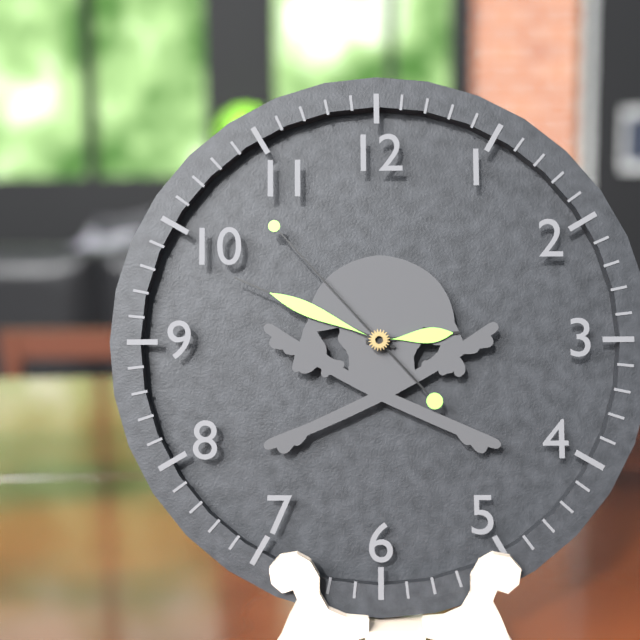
2:49:53
